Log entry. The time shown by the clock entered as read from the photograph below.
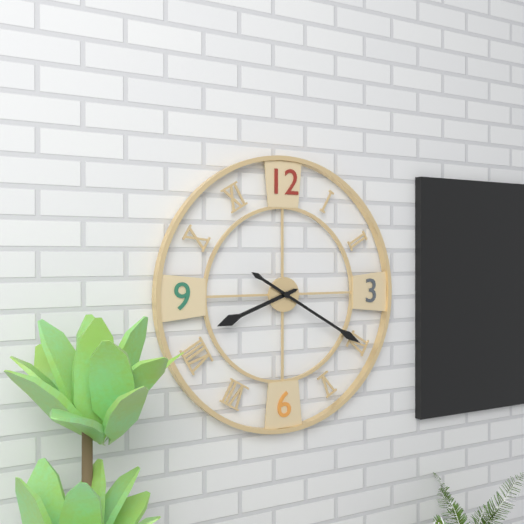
8:20
